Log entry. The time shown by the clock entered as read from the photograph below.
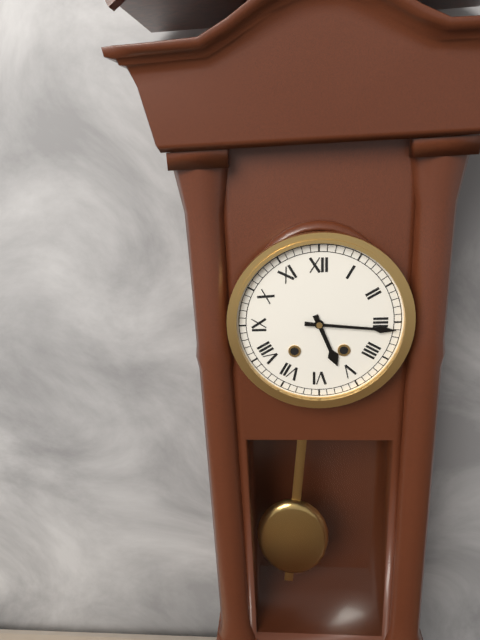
5:16
